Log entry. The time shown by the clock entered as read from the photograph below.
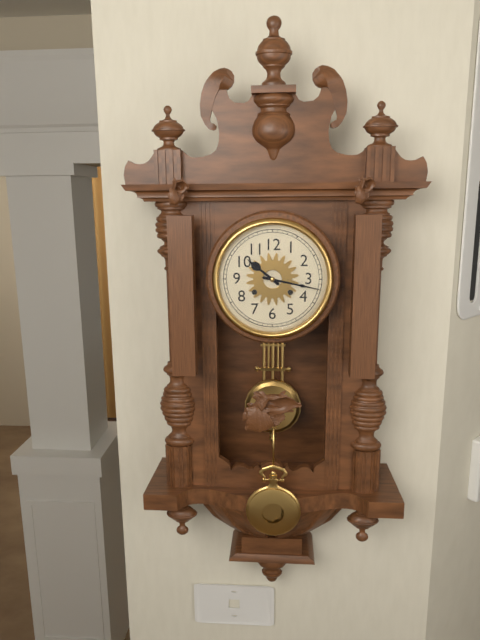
10:17
